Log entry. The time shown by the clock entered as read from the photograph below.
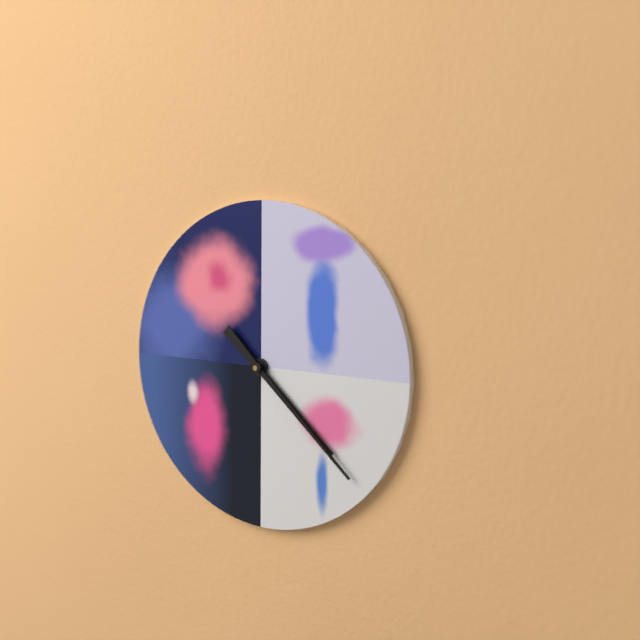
4:22
